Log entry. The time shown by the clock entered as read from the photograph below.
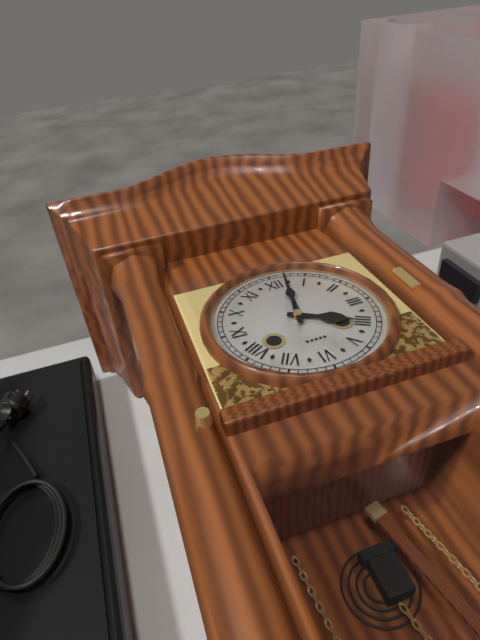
4:02
